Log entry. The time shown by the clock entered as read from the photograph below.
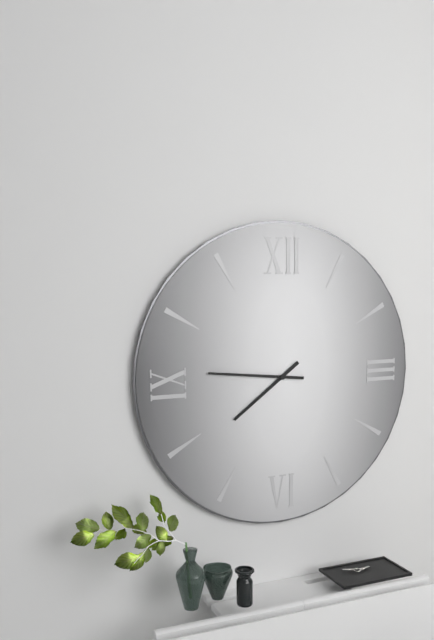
7:46
